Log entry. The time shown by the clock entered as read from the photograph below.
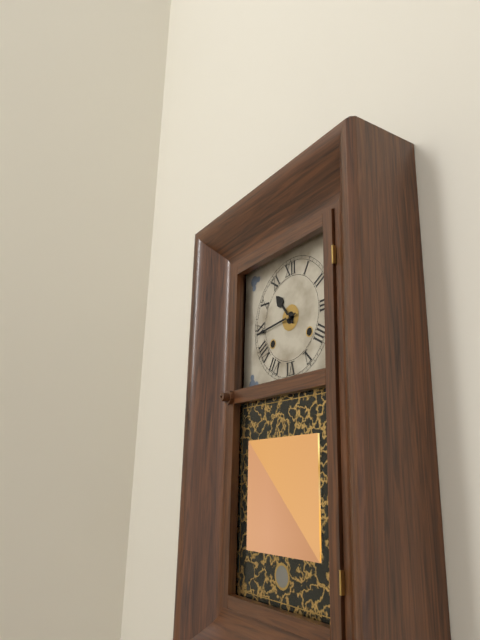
10:44
